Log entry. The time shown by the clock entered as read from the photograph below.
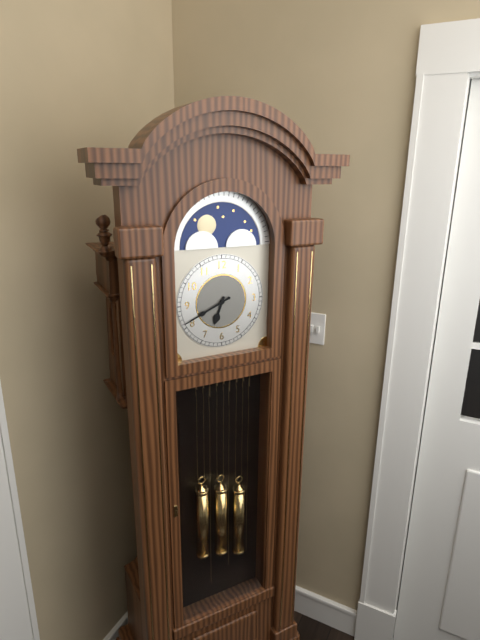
6:41
